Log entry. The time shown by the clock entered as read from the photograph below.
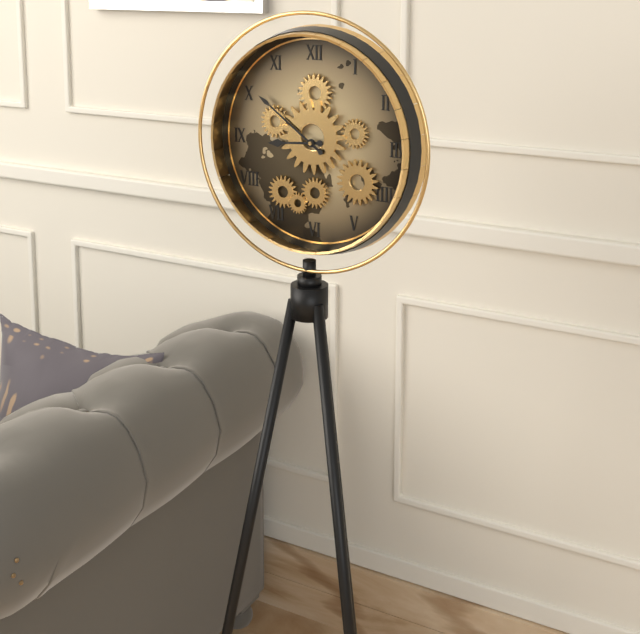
8:51
